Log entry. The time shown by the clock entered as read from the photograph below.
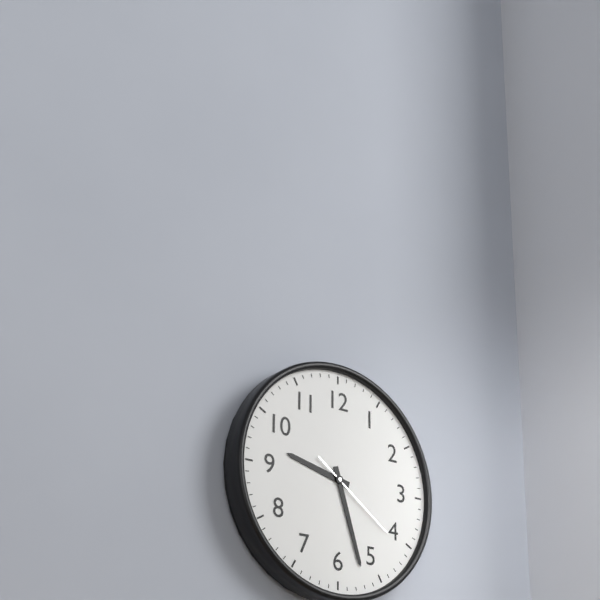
9:27:21
